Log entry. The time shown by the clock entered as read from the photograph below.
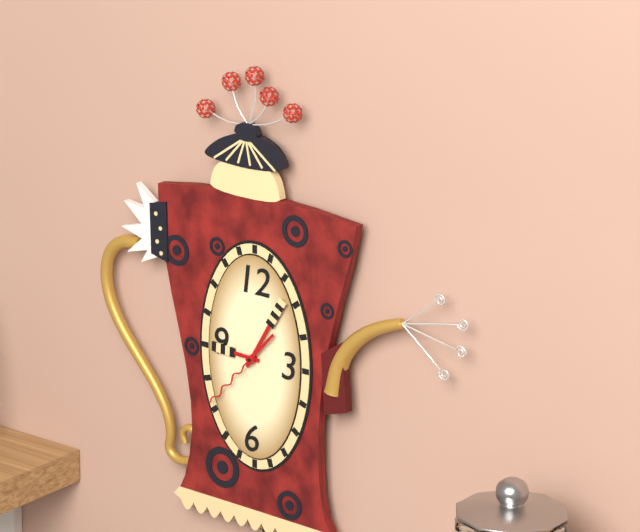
9:05:37
